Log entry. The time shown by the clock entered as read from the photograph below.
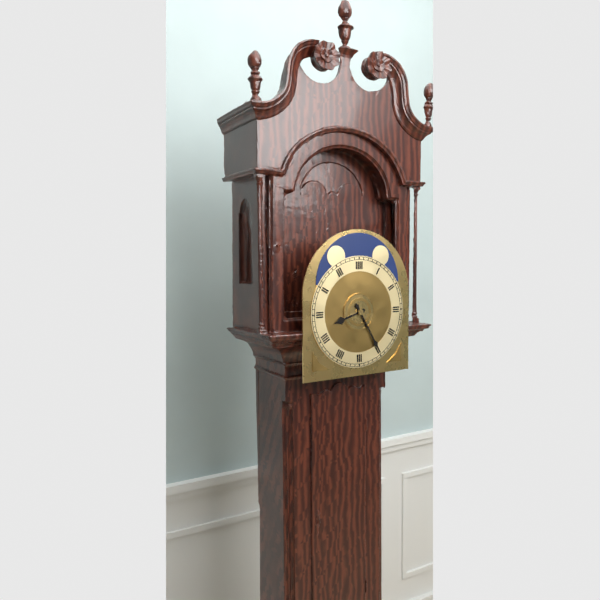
8:25
